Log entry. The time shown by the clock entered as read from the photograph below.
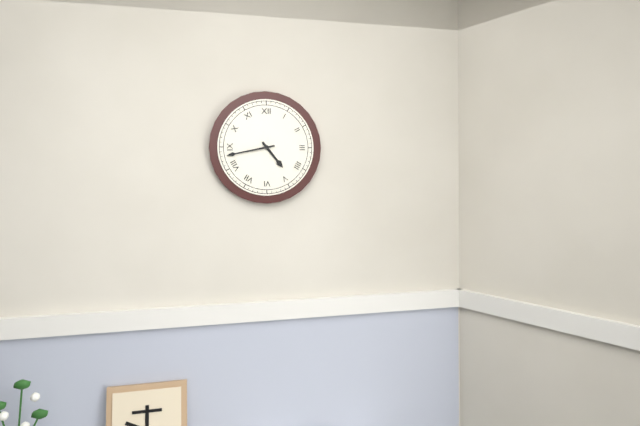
4:43
